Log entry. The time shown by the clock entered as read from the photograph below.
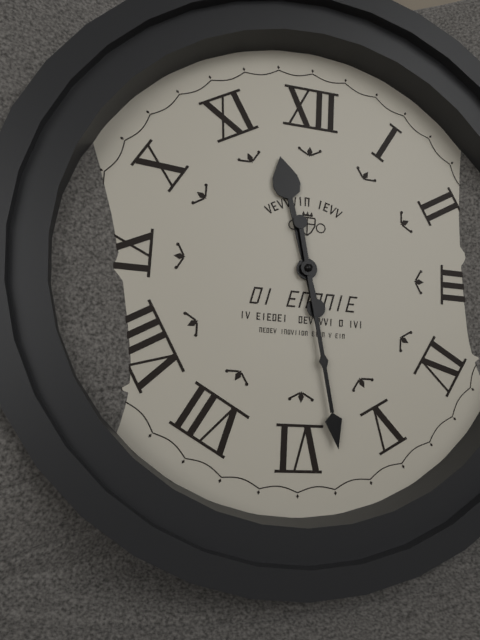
11:28
